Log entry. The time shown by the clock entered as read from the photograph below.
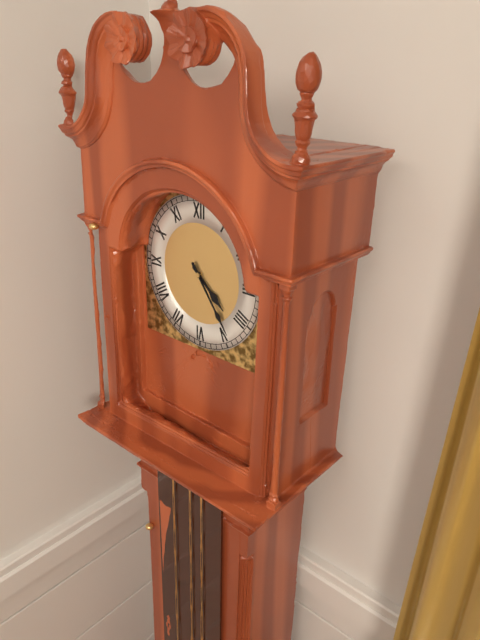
4:24
